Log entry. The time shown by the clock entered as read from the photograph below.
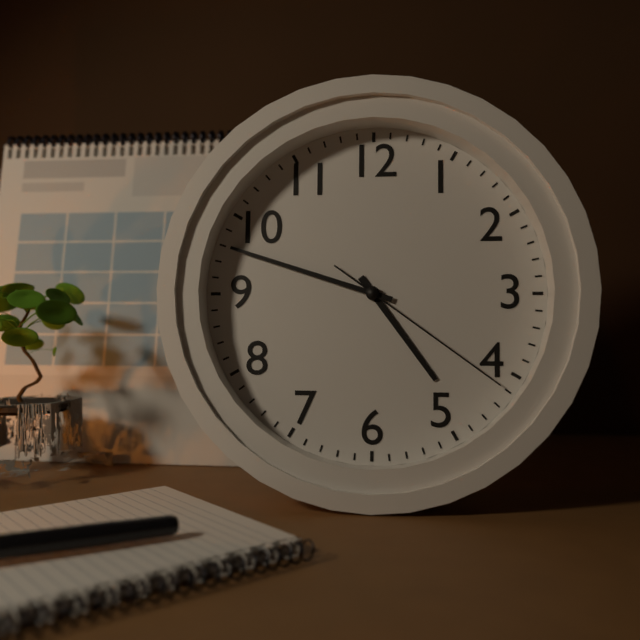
4:48:21
